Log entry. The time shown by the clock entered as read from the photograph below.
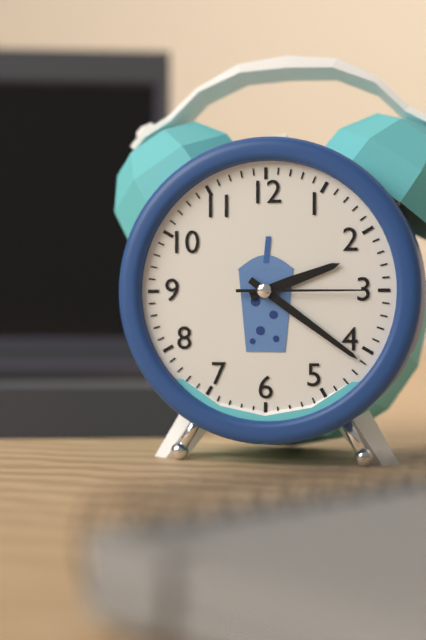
2:21:15
